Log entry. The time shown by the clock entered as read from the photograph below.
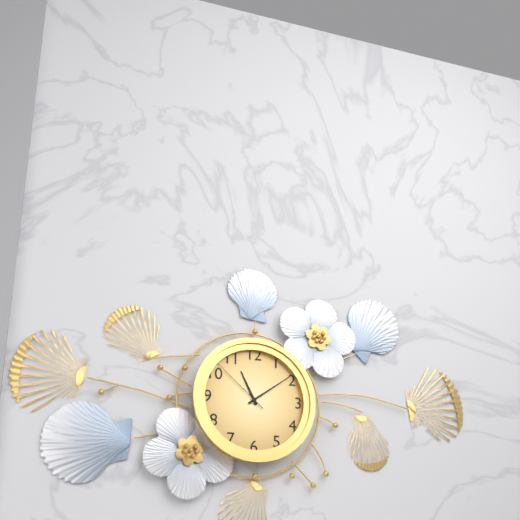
11:09:52
